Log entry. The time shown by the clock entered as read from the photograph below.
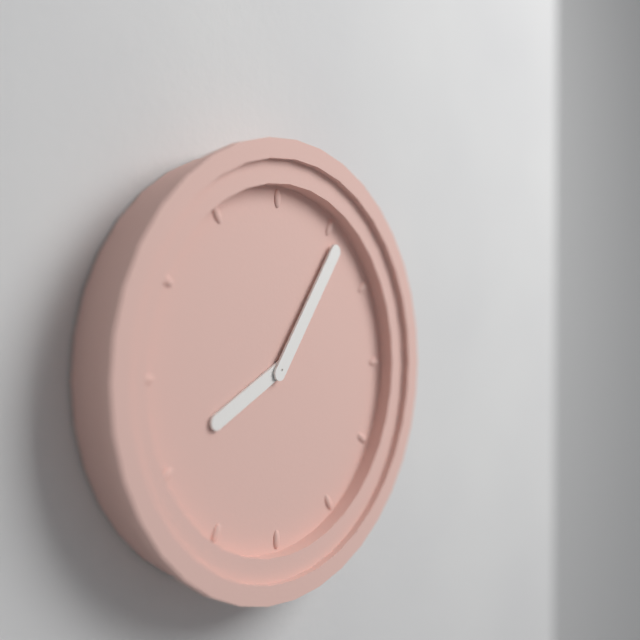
8:06
